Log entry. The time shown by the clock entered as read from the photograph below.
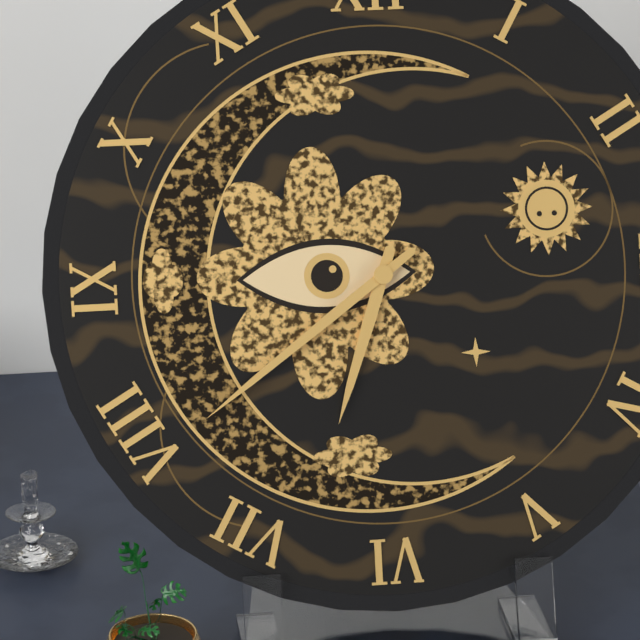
6:39
